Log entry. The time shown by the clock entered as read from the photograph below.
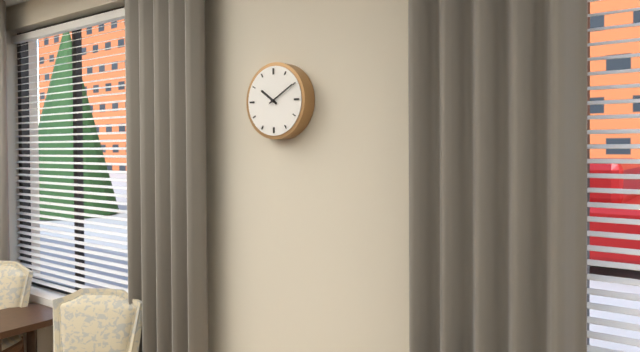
10:10
